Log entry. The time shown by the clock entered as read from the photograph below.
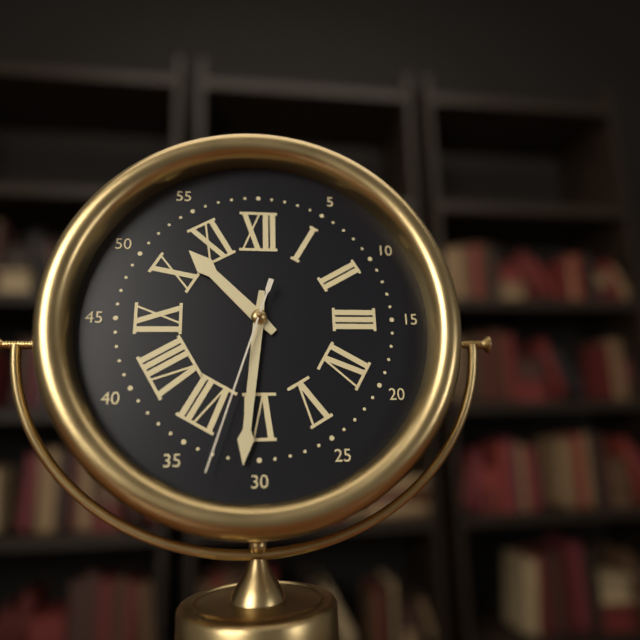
10:31:33
